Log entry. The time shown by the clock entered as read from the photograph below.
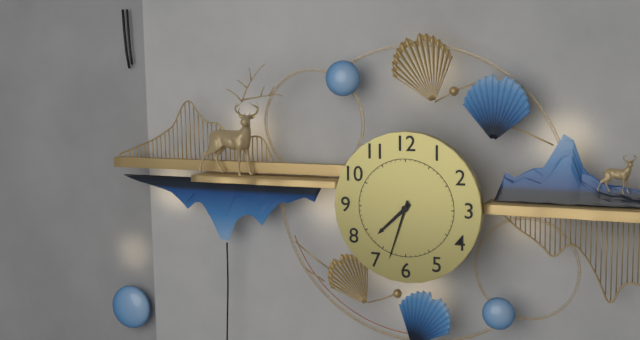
7:33
